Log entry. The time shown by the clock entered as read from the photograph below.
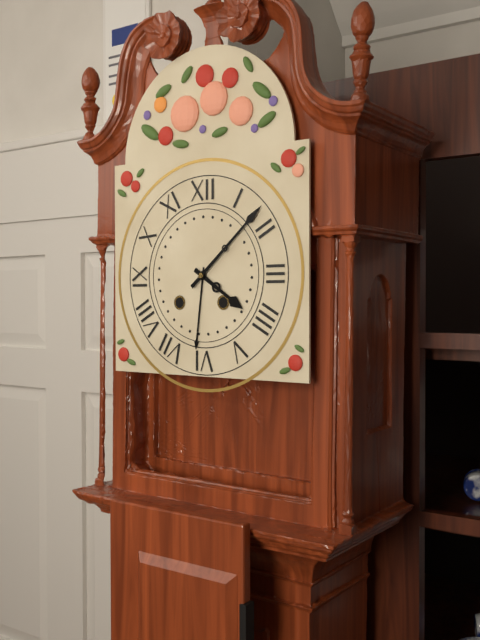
4:08
